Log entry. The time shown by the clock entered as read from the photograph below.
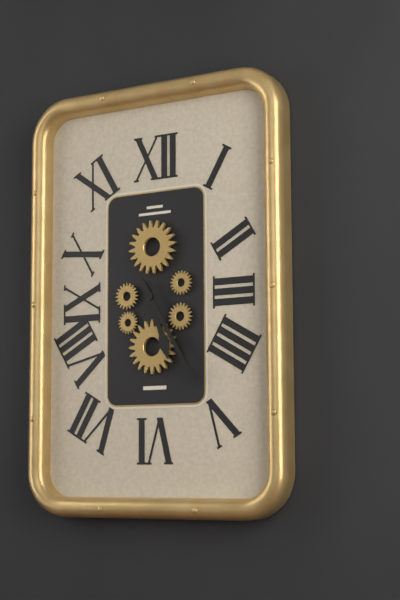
5:25
